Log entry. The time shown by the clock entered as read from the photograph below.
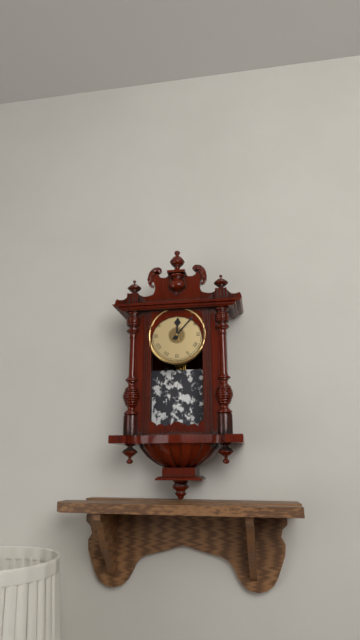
12:07
